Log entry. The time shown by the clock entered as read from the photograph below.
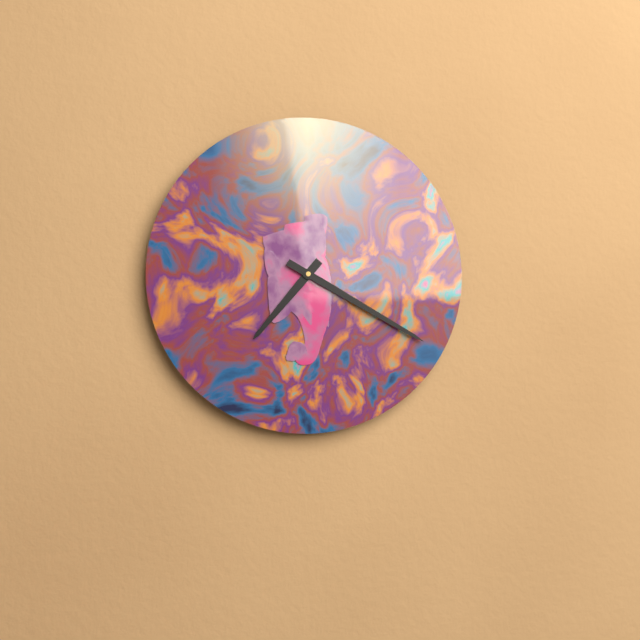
7:20
